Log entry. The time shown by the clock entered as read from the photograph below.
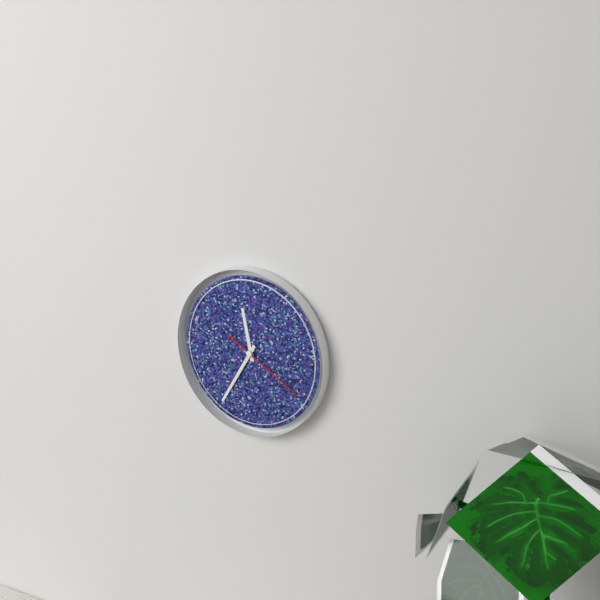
11:35:20
